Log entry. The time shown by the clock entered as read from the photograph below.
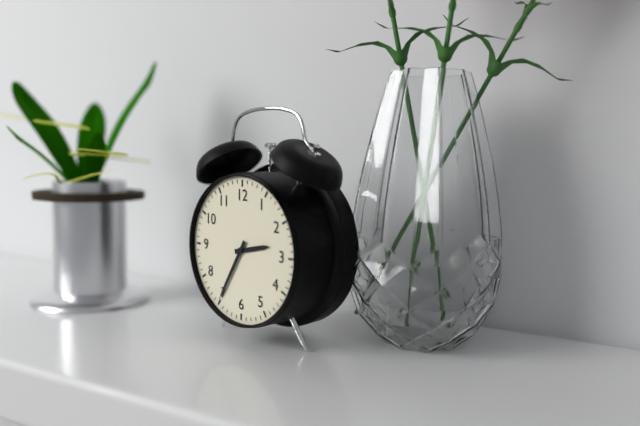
2:35
